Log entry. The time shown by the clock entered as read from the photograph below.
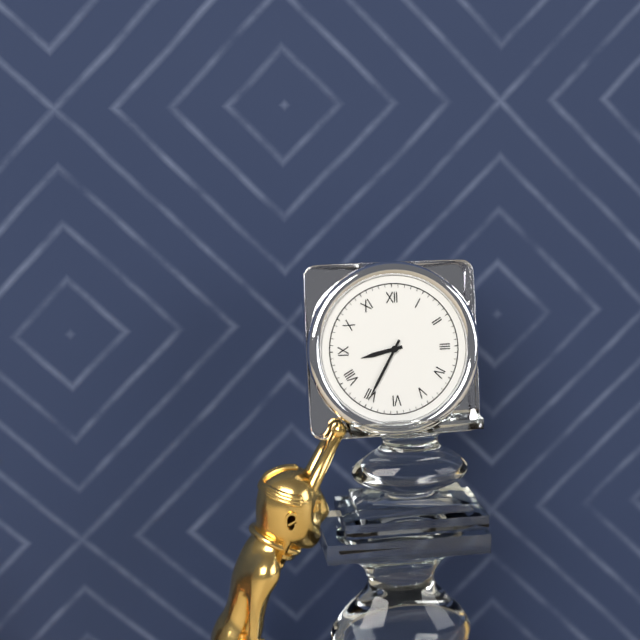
8:35
